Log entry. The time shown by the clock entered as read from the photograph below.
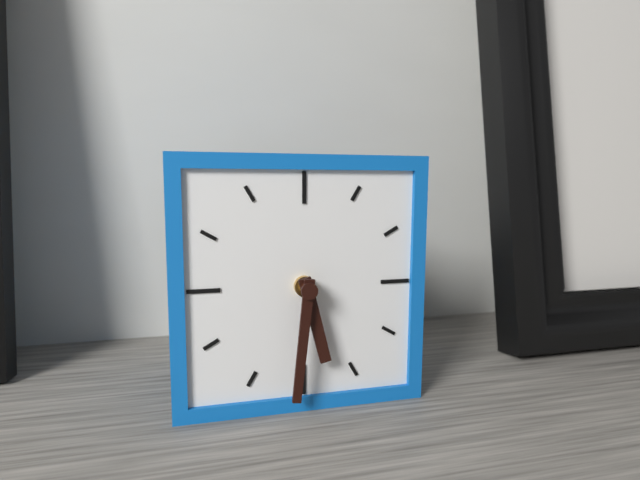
5:31
